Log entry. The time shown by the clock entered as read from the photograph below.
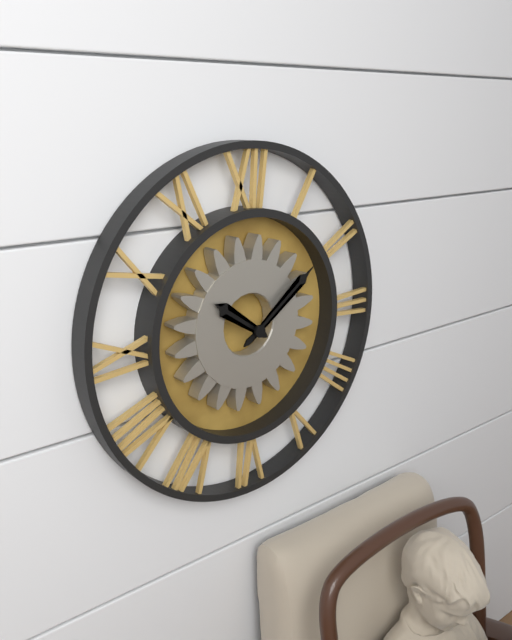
10:09
